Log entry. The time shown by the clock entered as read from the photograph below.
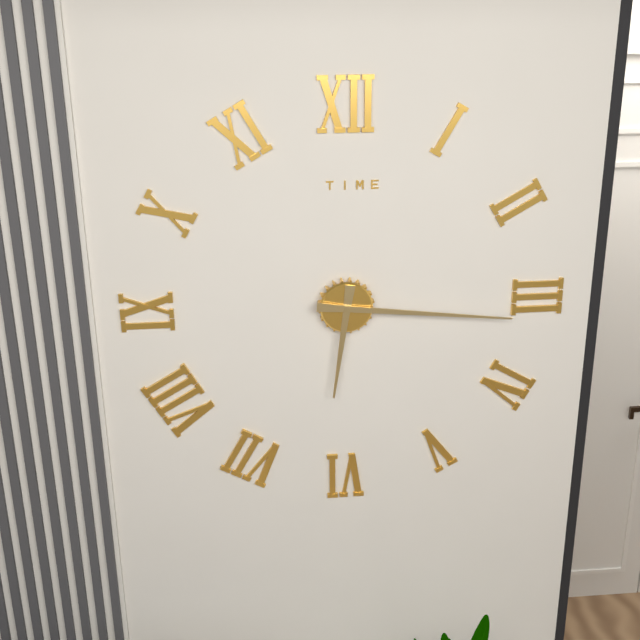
6:16
